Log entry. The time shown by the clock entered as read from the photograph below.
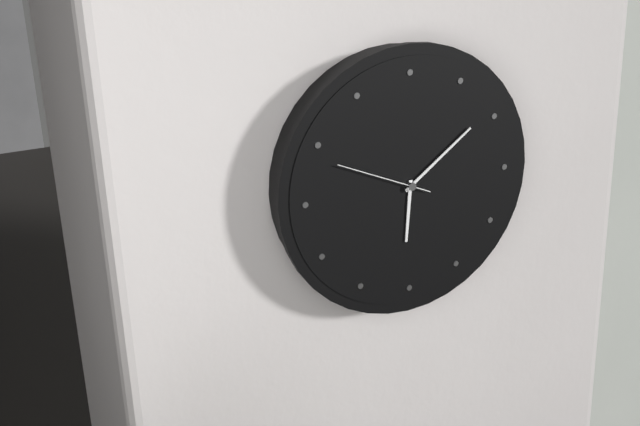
6:09:49
